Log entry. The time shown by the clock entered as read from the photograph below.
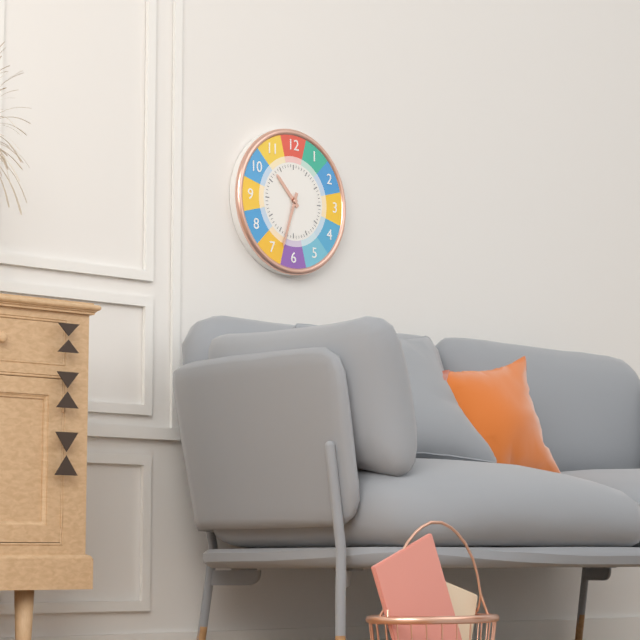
10:33
